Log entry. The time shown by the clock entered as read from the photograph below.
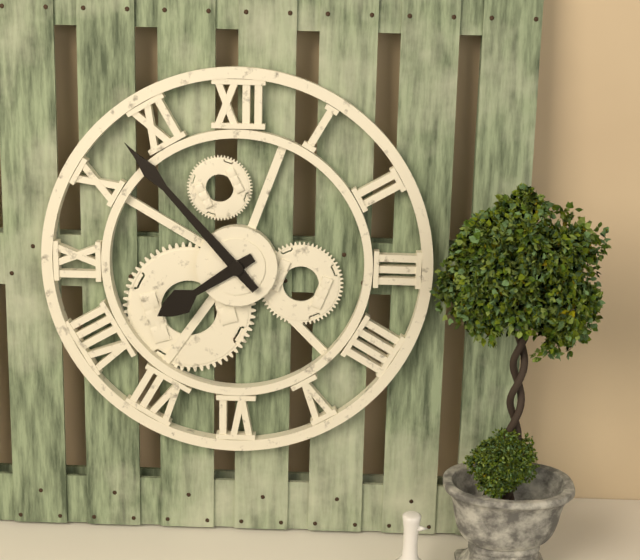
7:53
